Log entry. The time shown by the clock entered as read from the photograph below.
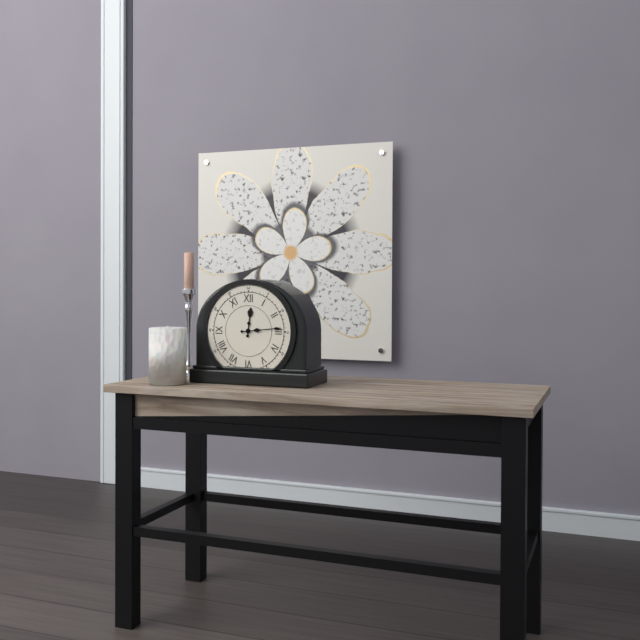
12:14
